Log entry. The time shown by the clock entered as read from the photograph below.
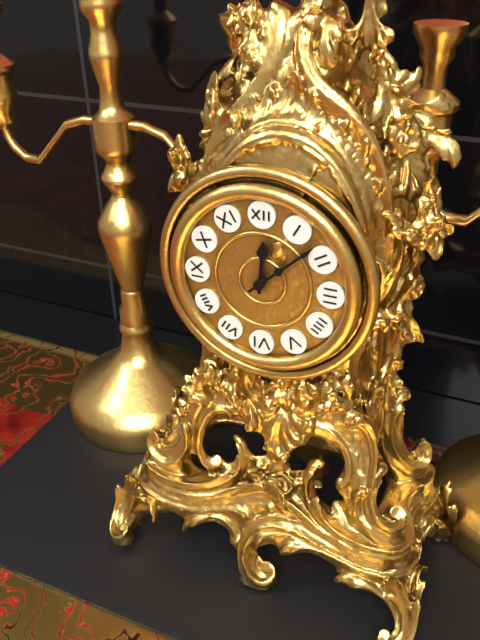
12:08
